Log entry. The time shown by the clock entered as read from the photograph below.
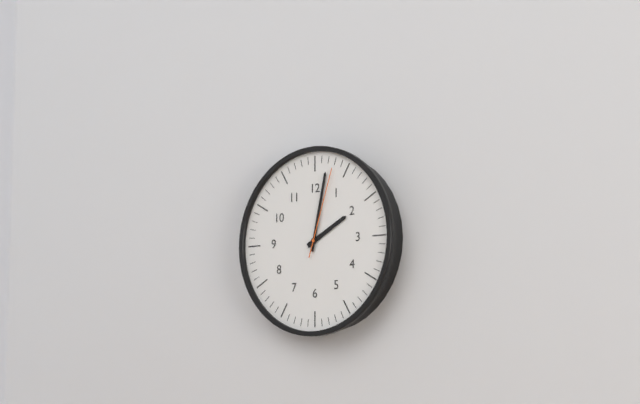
2:02:03
